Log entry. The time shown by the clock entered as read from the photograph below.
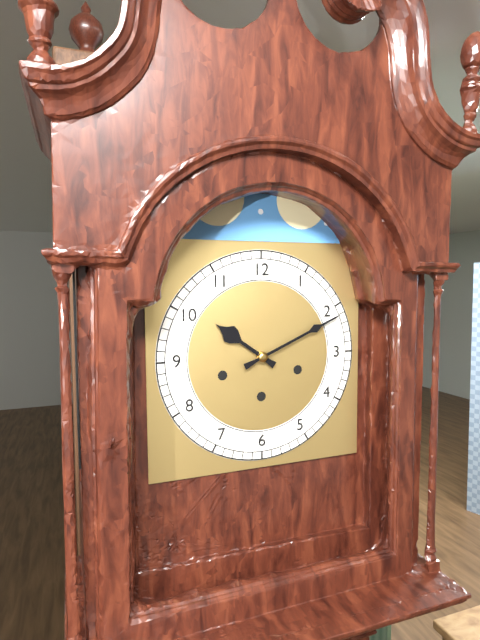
10:11
